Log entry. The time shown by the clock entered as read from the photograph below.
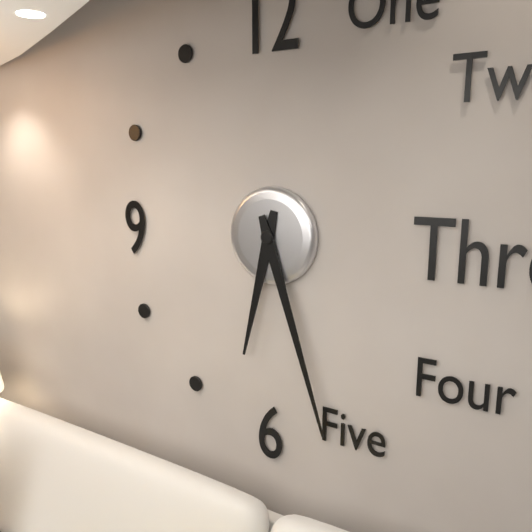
6:27
